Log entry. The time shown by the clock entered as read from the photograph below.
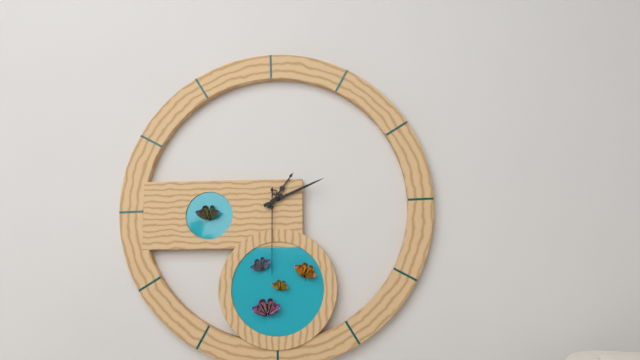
1:11:30
